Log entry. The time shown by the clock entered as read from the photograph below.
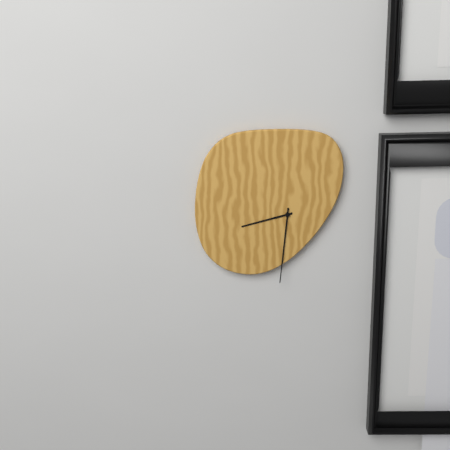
8:31
